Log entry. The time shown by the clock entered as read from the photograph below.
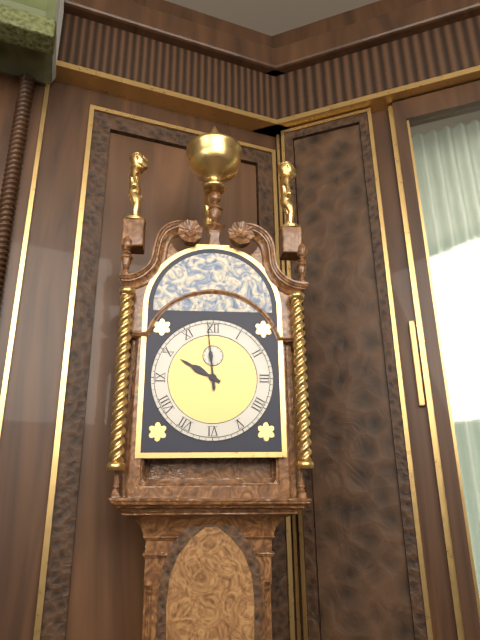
9:59
